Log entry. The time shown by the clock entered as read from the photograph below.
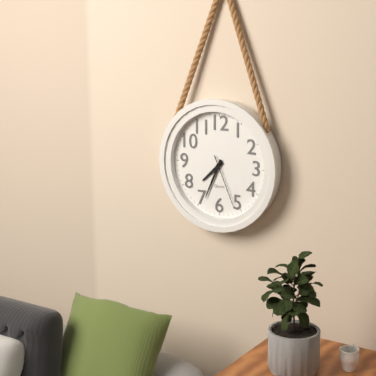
7:34:26
